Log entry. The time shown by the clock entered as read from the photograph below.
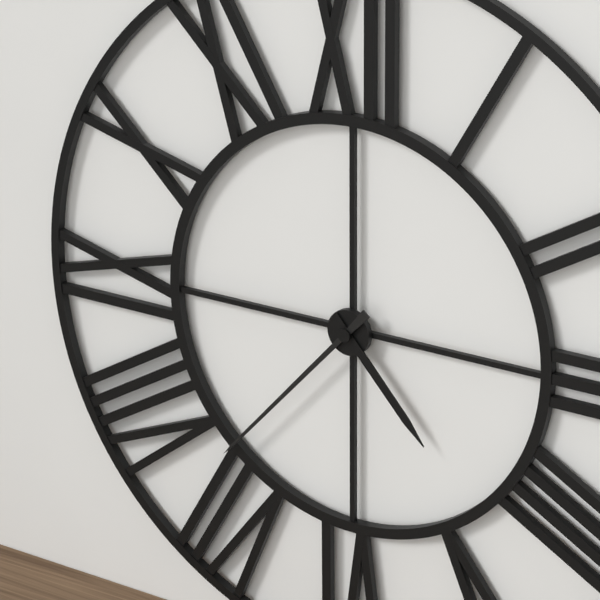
4:37
